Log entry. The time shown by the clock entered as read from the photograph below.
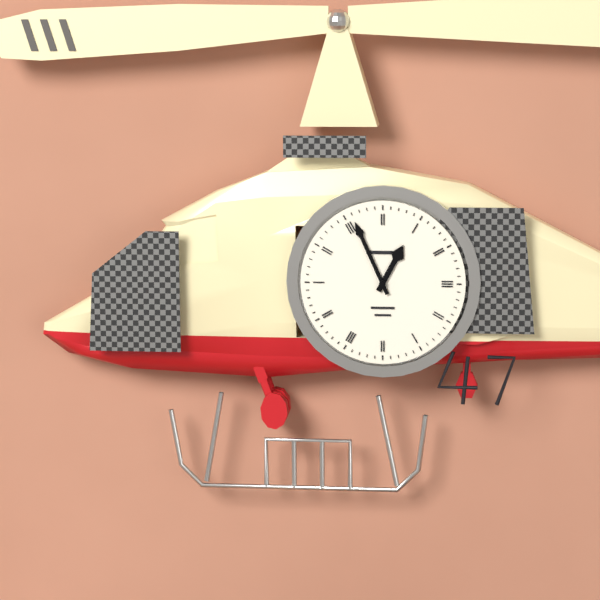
12:56
